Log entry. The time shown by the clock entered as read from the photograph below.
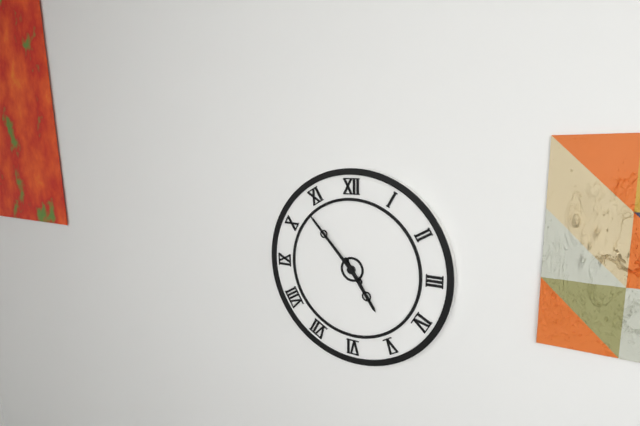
4:53
